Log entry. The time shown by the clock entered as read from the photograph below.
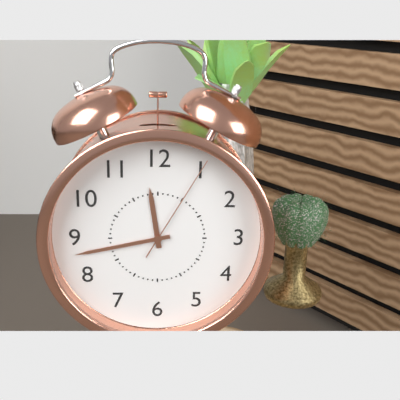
11:43:05
